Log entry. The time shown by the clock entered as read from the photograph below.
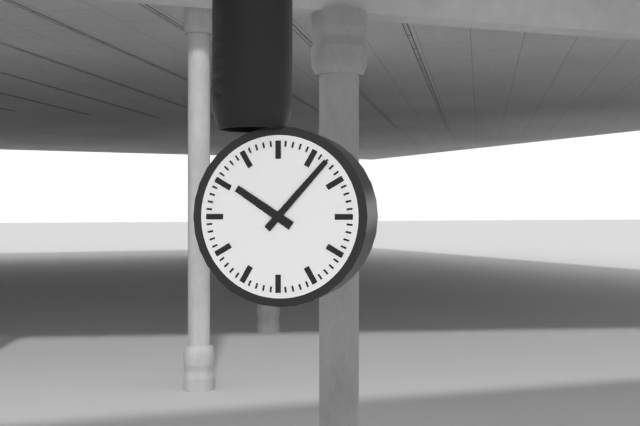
10:07
